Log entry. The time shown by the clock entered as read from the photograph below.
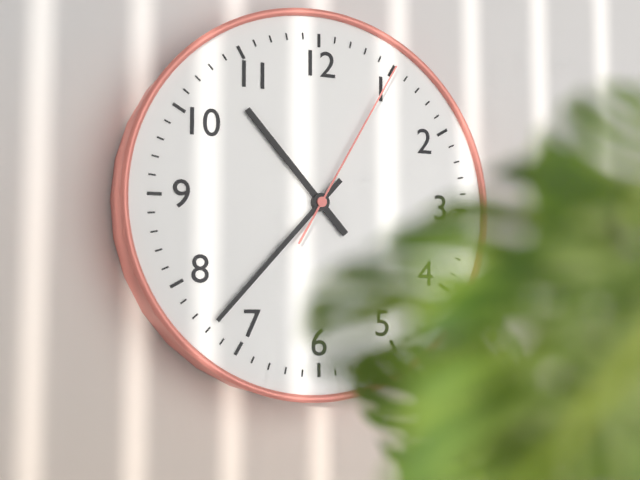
10:37:05
